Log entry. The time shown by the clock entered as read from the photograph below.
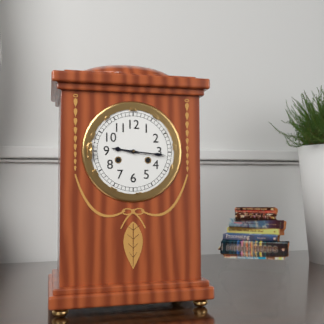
9:16
